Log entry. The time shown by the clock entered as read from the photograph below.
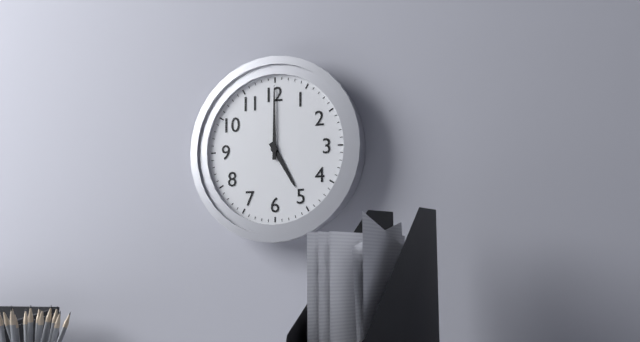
5:00
